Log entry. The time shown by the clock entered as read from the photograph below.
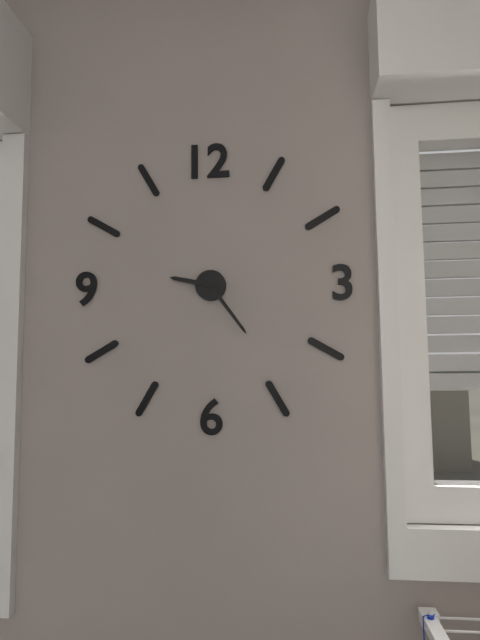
9:24
